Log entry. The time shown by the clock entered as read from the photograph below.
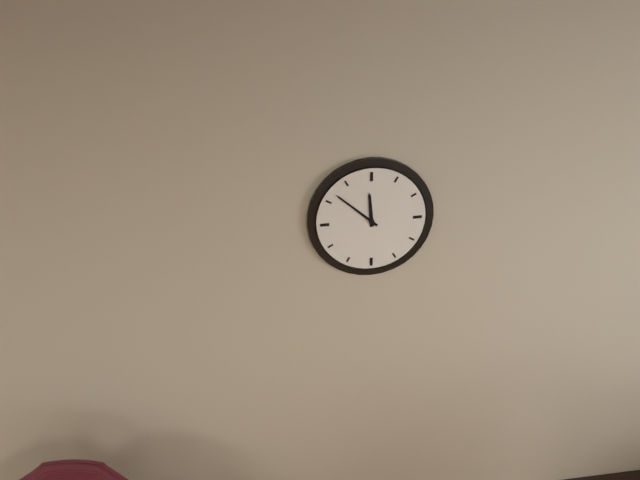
11:52
